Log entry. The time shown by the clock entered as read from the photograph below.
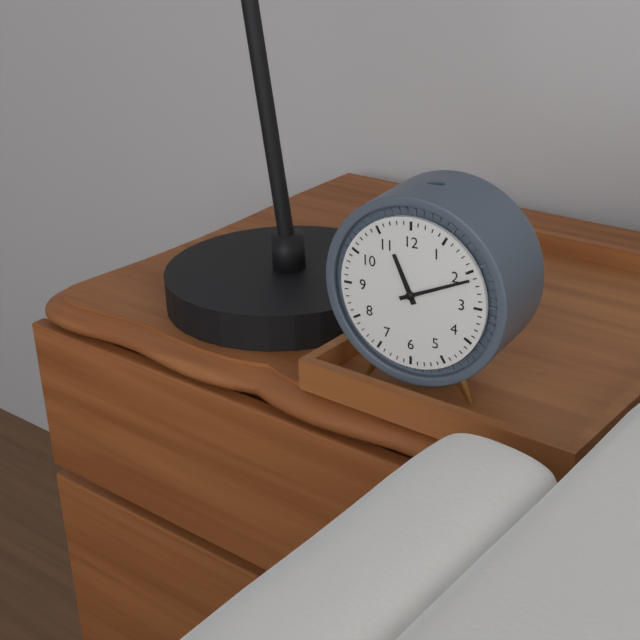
11:11
